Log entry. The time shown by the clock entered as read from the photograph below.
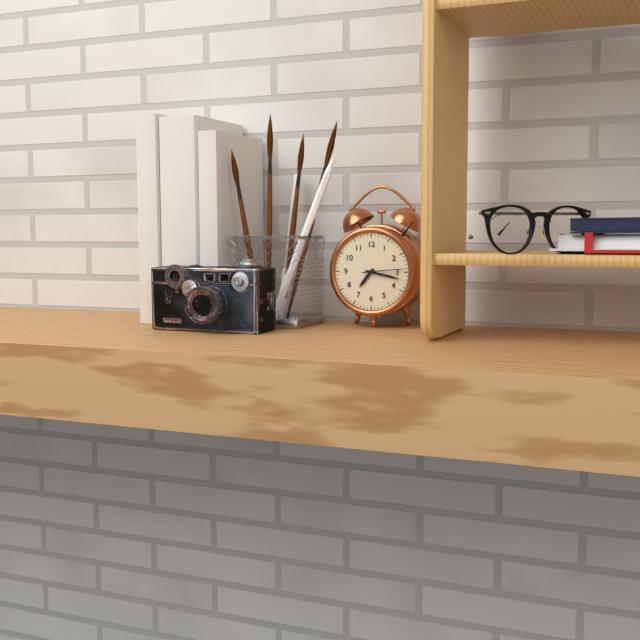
7:17
